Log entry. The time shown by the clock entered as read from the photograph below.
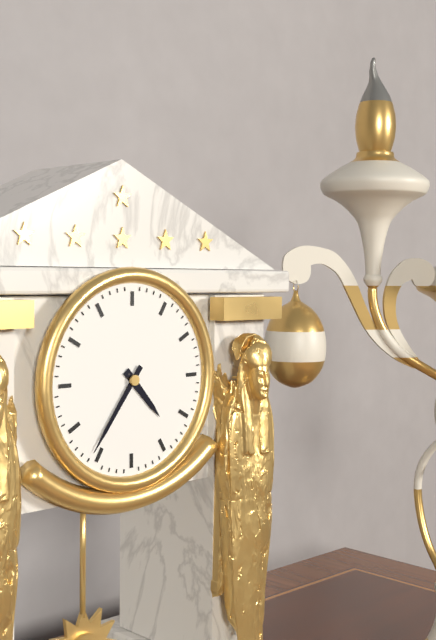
4:36
